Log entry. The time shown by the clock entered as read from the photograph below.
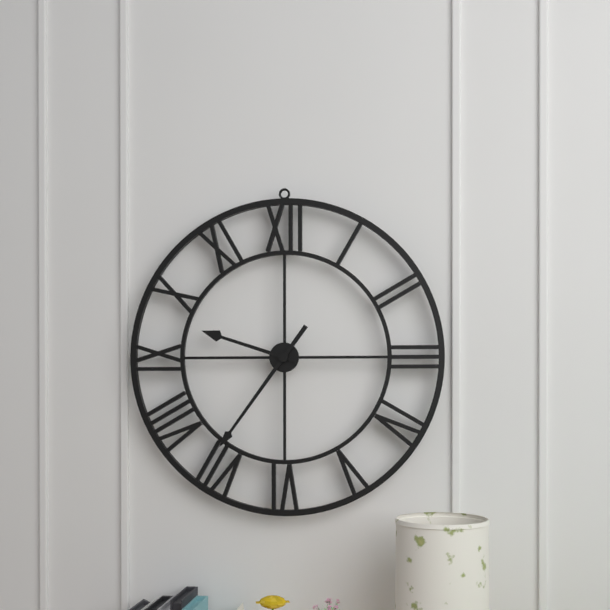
9:36
